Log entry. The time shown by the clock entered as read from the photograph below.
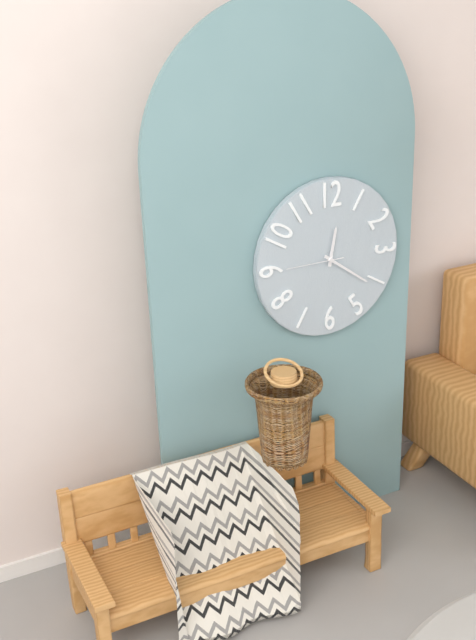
12:21:45
